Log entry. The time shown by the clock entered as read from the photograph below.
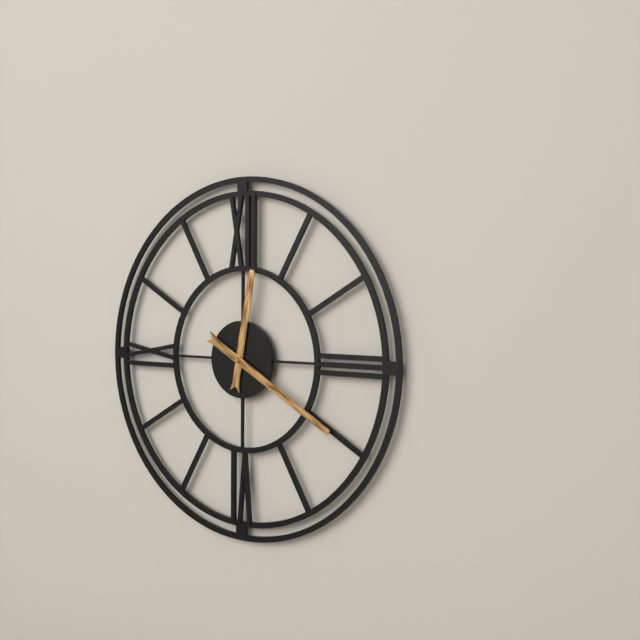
12:20
